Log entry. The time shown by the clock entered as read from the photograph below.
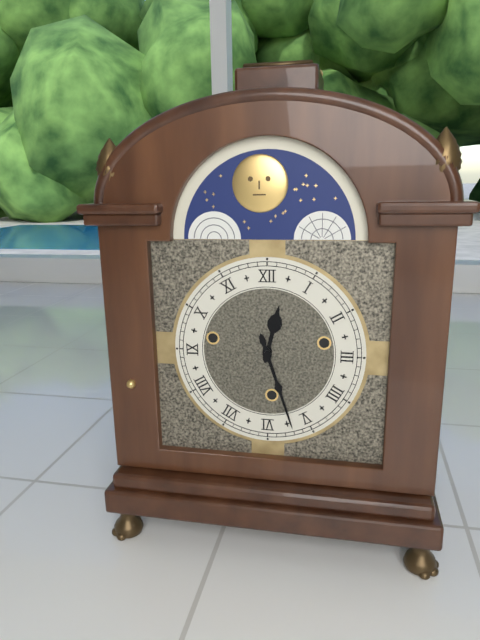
12:27
